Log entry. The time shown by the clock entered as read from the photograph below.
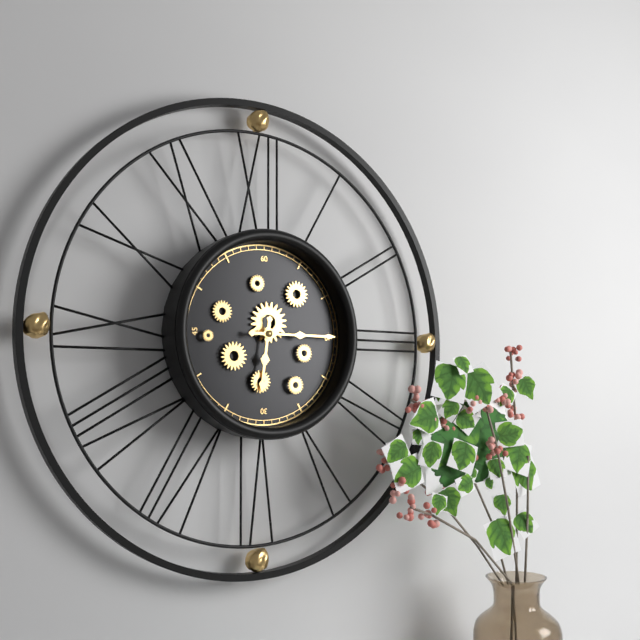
6:15
